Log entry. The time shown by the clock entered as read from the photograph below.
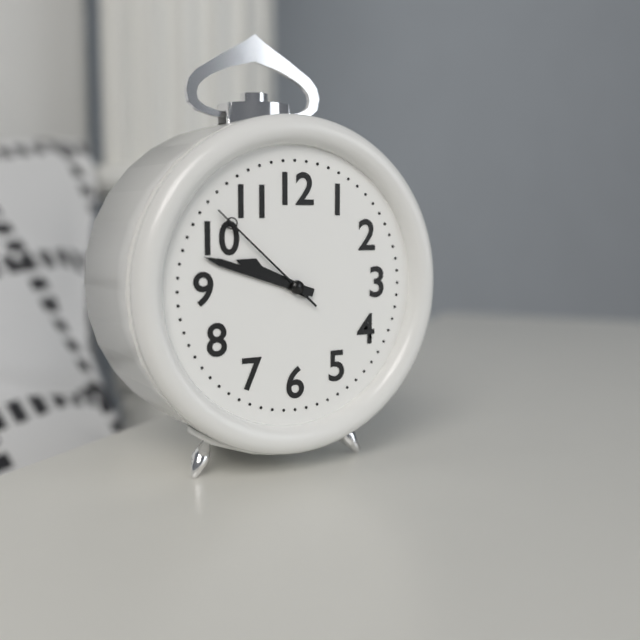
9:48:52
